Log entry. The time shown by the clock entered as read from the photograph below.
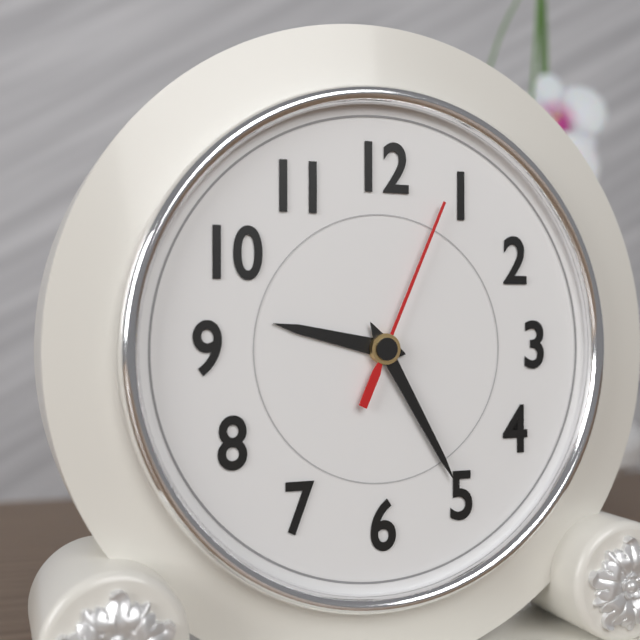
9:25:04
